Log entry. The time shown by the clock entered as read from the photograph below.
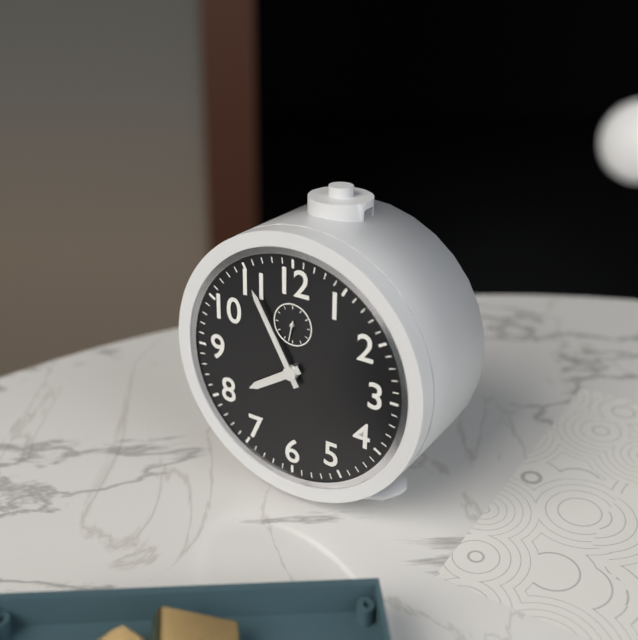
7:55
